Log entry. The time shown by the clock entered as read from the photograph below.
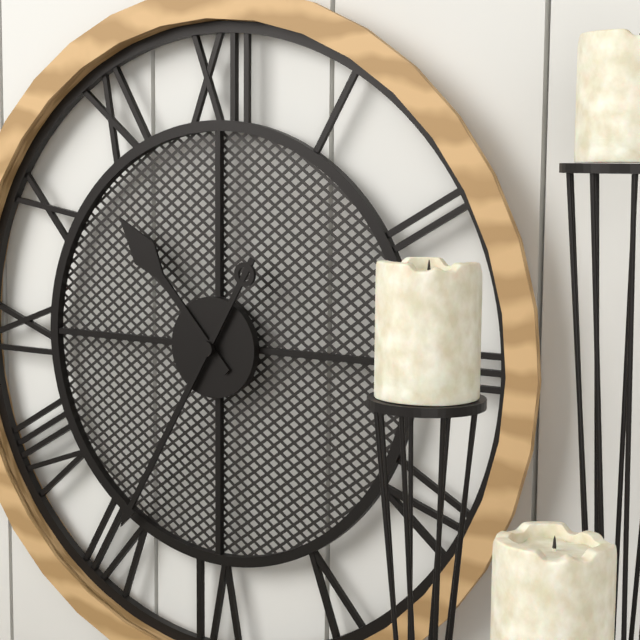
10:35
